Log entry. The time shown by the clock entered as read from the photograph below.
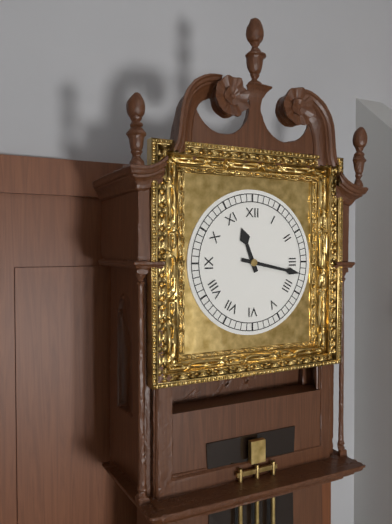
11:17
